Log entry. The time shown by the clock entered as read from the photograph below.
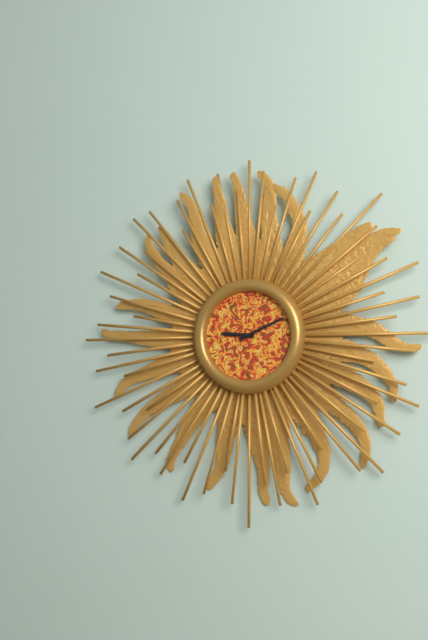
9:11
